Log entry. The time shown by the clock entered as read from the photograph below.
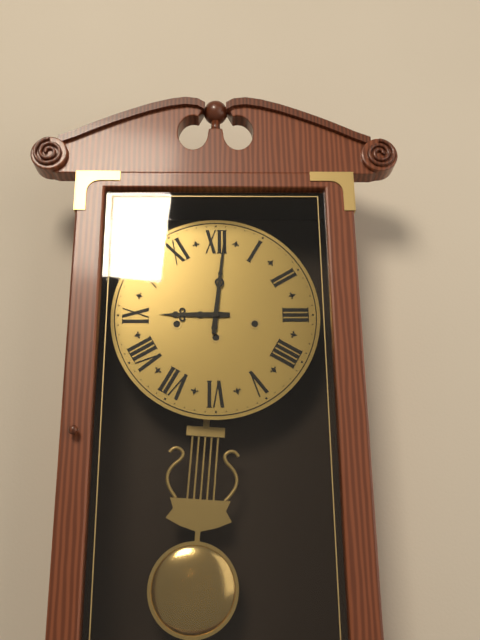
9:01
